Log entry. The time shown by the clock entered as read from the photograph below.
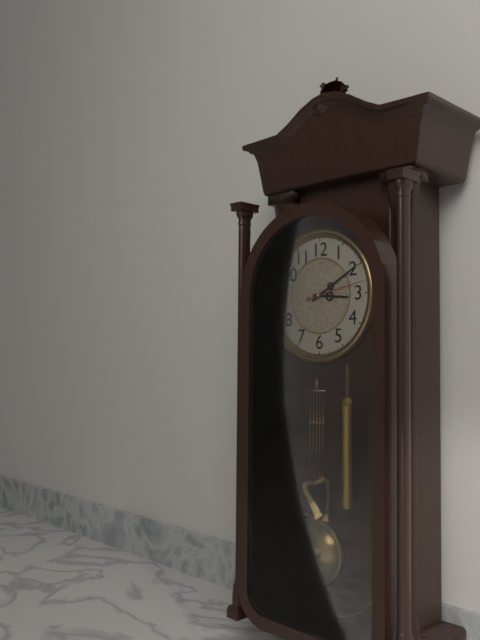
3:10:13
